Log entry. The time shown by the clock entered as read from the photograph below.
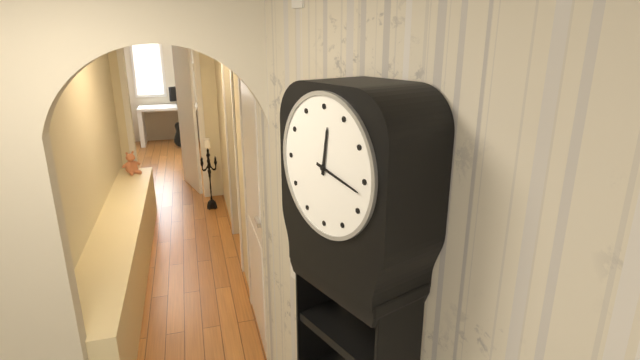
12:17
